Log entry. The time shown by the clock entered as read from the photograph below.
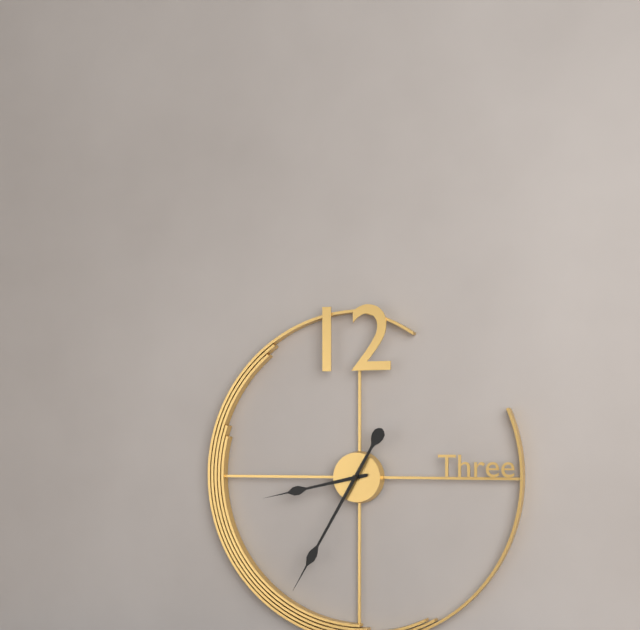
8:35
